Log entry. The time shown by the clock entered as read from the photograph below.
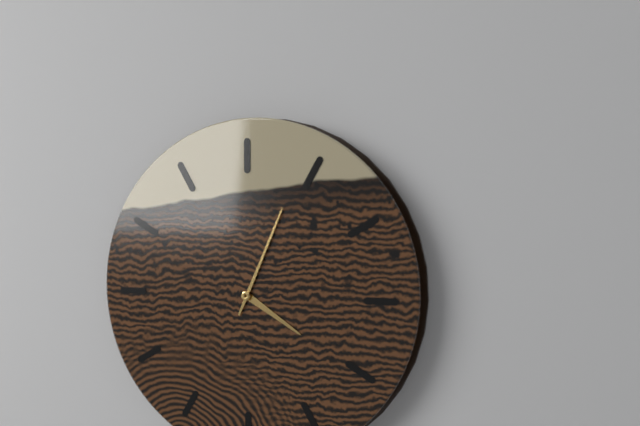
4:04
